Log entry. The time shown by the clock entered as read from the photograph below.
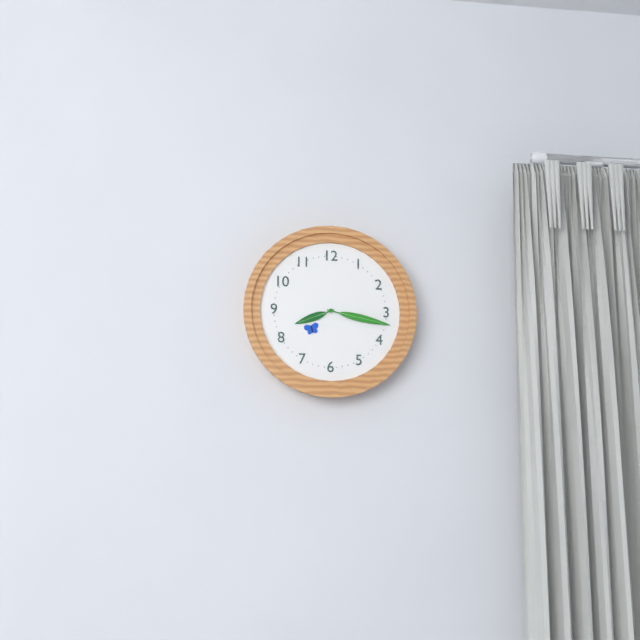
8:17
